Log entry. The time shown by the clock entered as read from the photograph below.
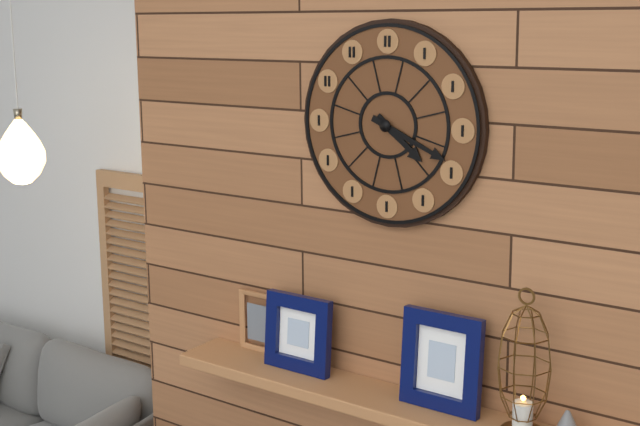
4:19
